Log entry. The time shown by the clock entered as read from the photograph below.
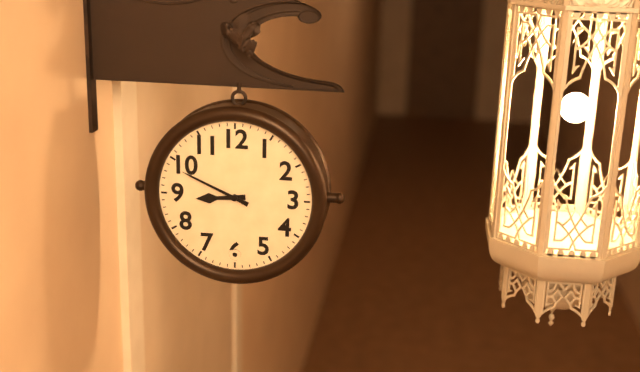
8:49
